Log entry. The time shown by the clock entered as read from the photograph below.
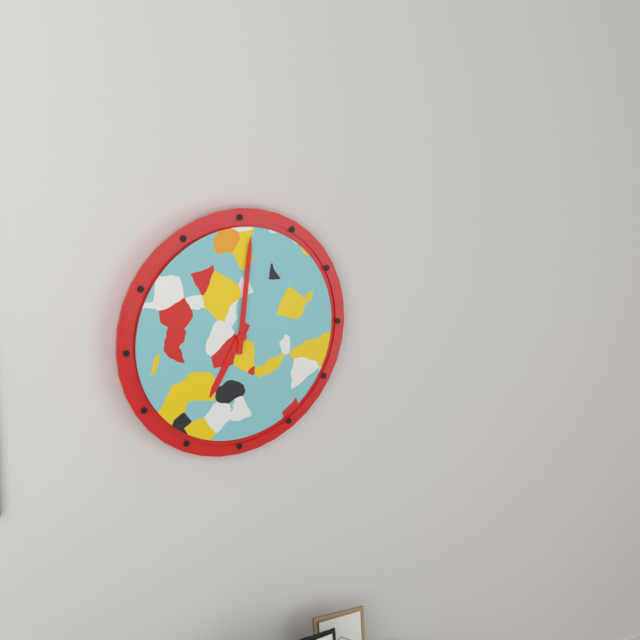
7:01
